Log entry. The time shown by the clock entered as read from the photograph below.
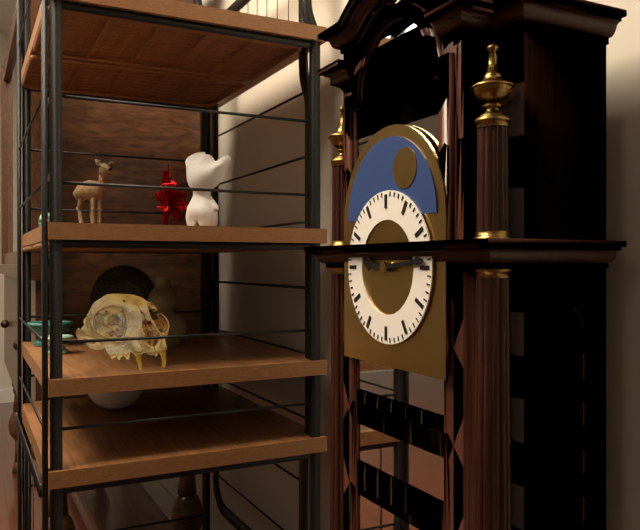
9:14
